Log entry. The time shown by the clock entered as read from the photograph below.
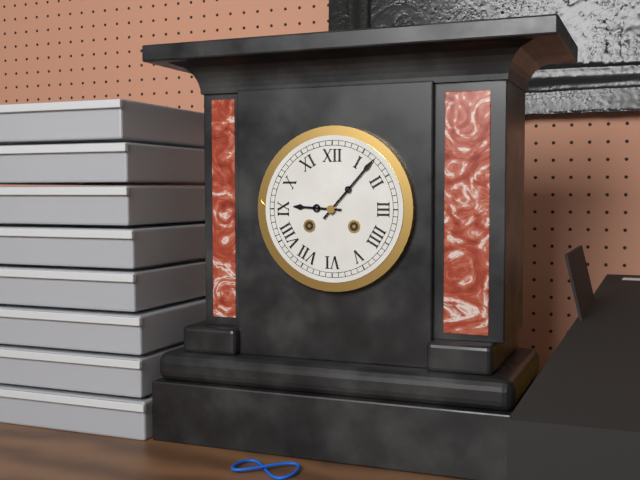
9:07
